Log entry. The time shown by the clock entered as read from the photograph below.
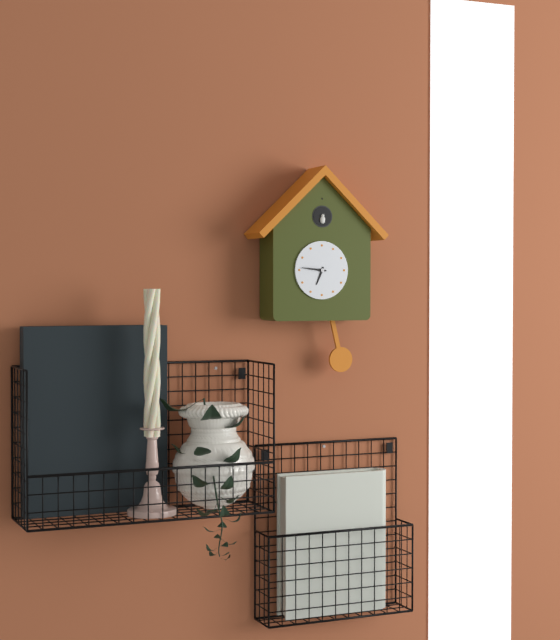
6:46
